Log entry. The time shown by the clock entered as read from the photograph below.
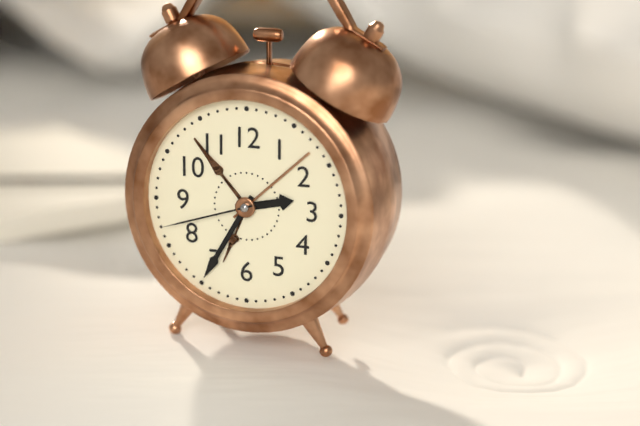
2:35:42
